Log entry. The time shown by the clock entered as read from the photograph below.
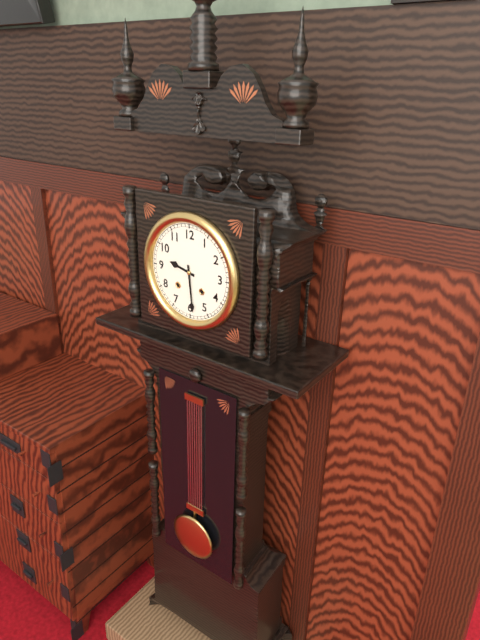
9:29
